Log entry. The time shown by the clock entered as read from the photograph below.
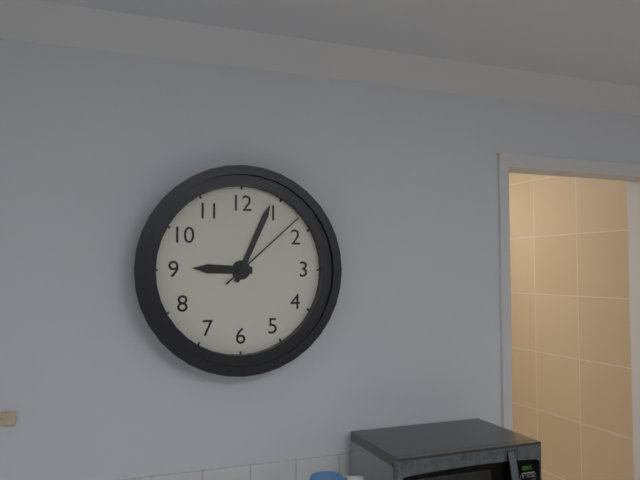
9:04:08
